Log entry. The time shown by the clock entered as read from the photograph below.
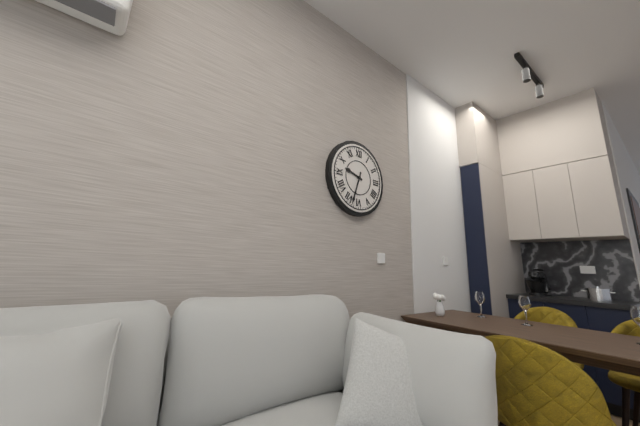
9:33
